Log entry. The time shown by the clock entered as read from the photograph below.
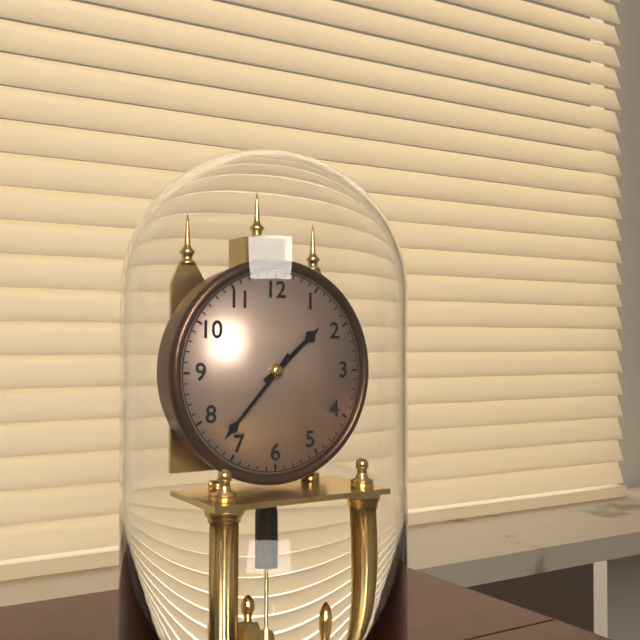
1:37
